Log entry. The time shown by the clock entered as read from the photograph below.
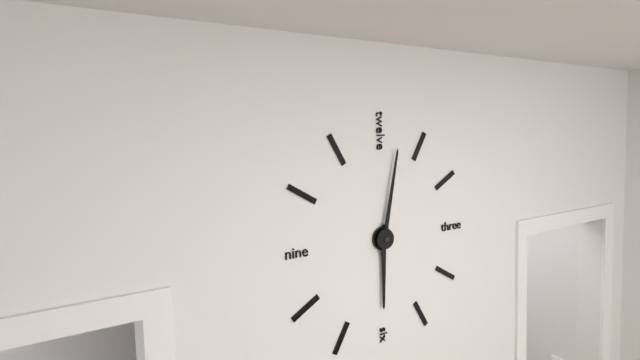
6:02
